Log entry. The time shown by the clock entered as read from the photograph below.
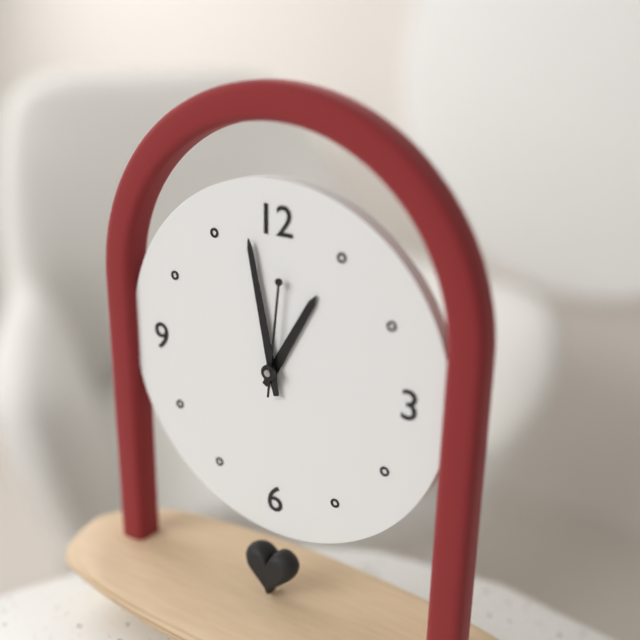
12:58:01
